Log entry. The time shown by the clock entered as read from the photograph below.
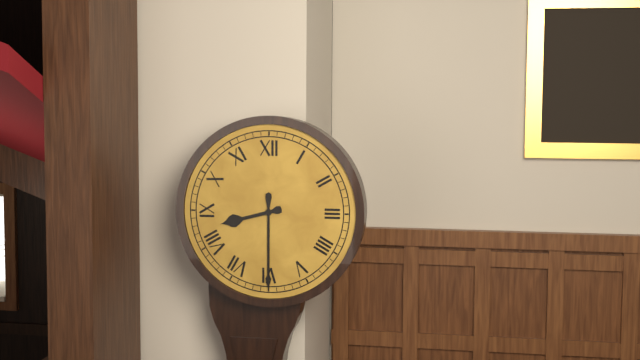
8:30
